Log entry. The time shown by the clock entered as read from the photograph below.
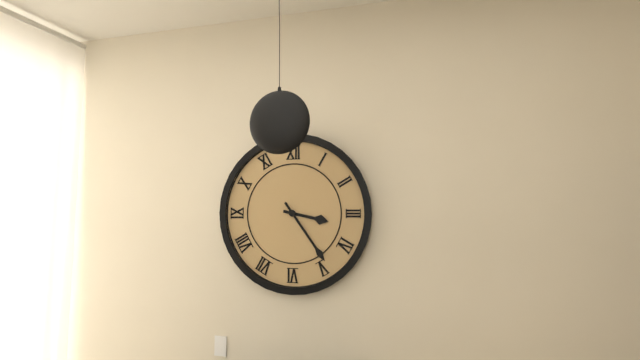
3:24
